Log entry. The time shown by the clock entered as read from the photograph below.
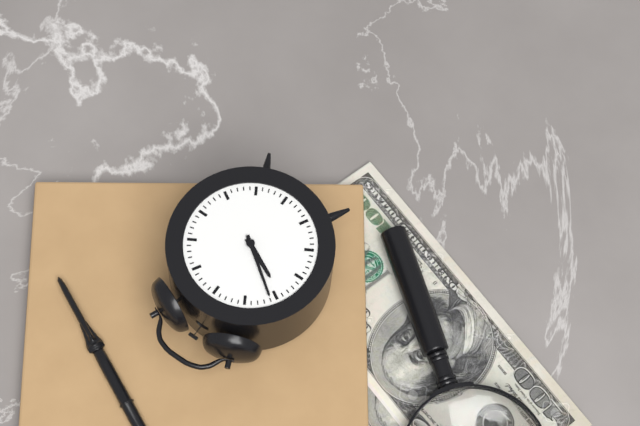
9:51
